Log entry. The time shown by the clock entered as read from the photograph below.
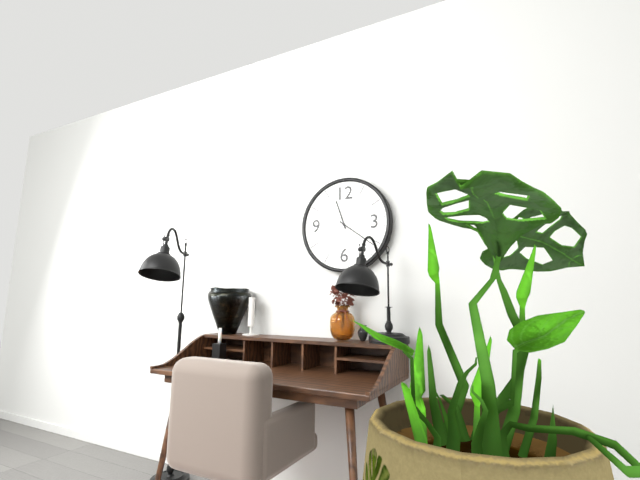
11:21
